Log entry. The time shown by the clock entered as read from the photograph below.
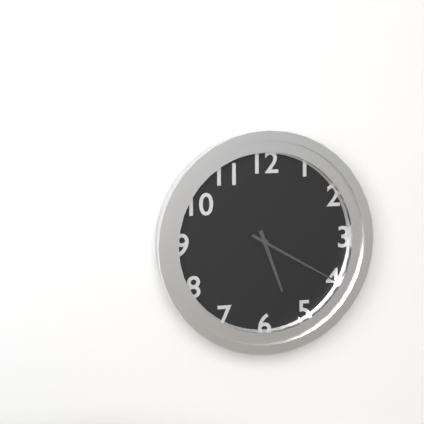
5:20
